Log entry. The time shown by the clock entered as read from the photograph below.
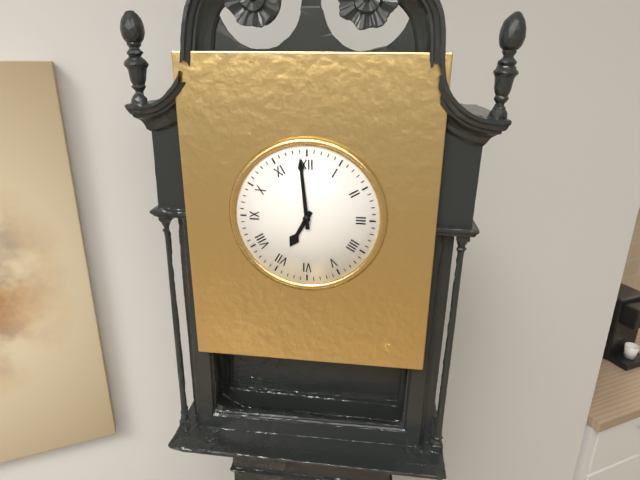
6:59
